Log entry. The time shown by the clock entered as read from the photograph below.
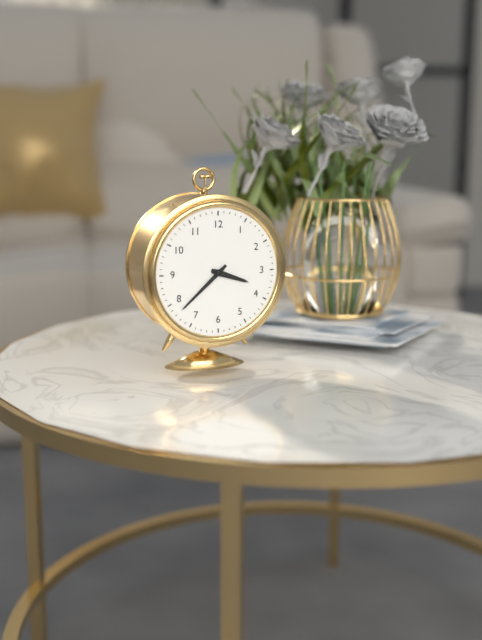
3:38
